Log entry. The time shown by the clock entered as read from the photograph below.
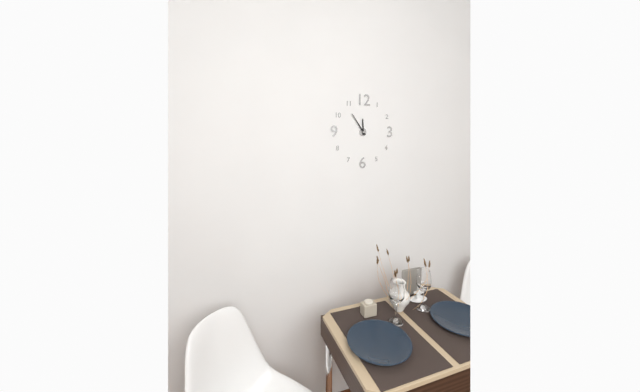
11:54
